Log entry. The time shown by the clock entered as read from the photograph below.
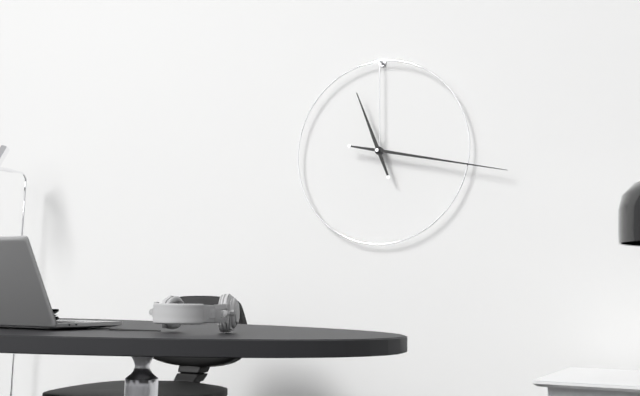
11:17
